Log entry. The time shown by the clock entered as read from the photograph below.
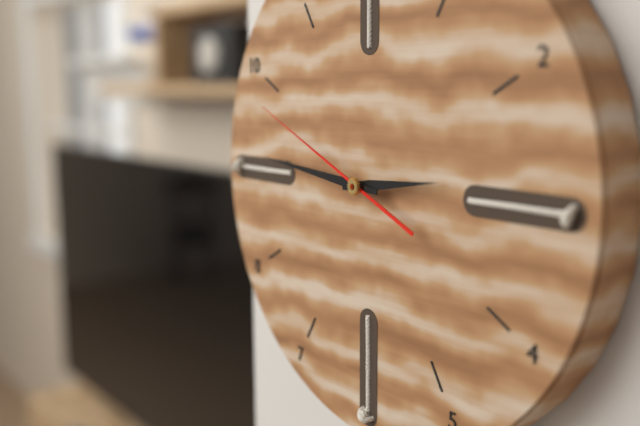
2:46:49
